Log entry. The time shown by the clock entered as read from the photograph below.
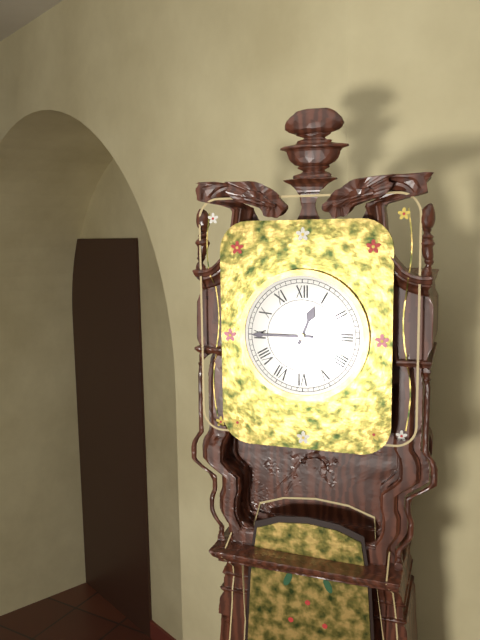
12:45
